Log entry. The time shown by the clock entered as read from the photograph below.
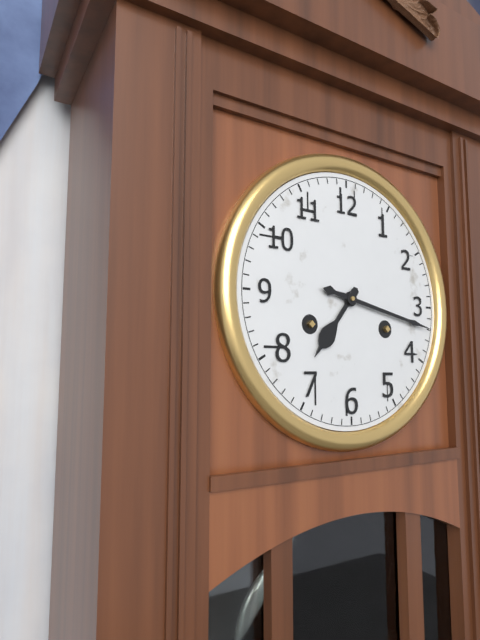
7:17
